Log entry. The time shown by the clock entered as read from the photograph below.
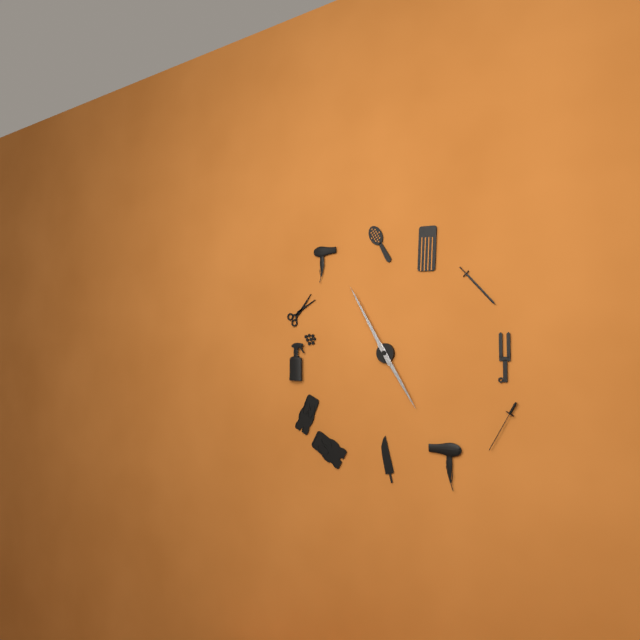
4:55
